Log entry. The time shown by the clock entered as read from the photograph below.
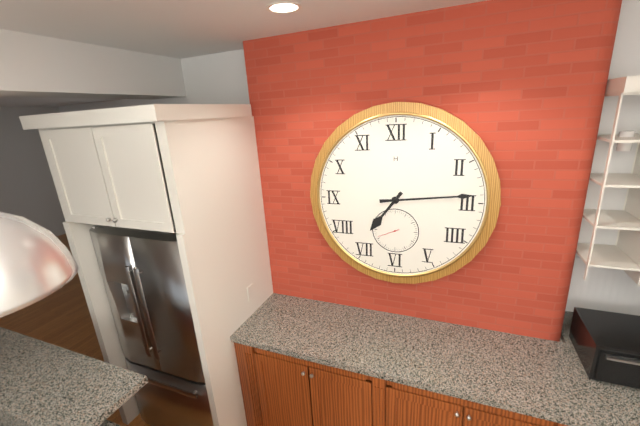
7:14
